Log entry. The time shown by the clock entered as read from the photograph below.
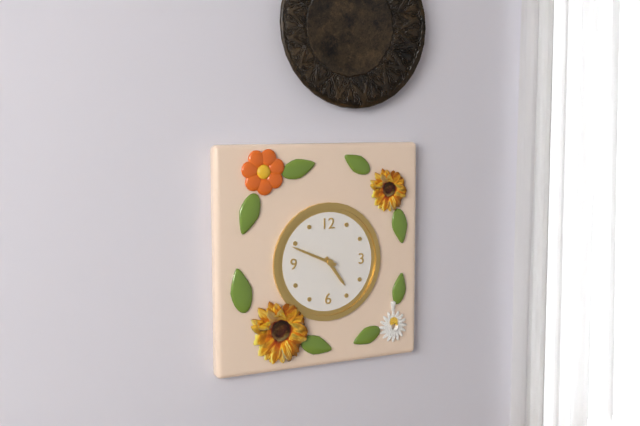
4:49
